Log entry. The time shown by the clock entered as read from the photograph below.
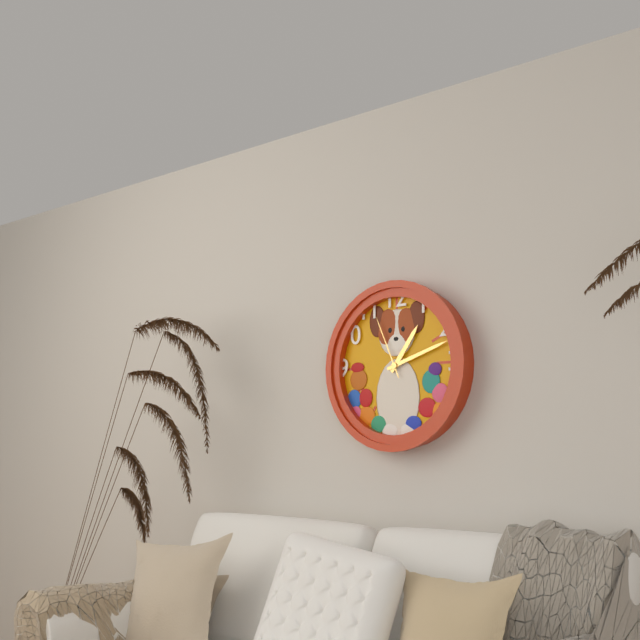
1:12:56
